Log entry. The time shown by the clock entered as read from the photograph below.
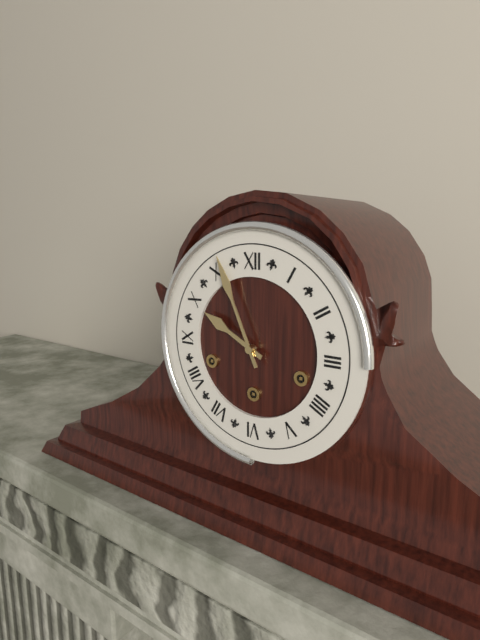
9:56
